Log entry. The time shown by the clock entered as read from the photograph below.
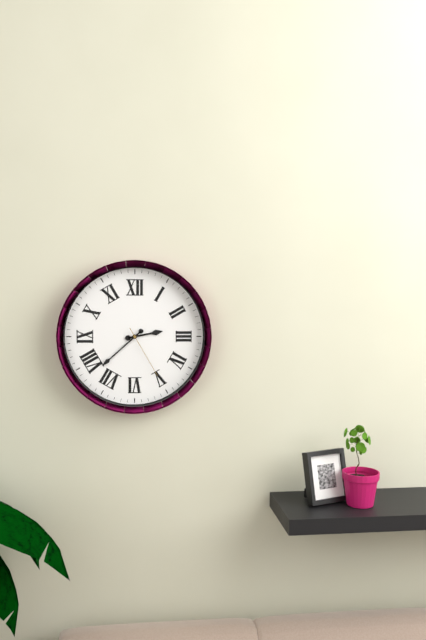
2:38:25
